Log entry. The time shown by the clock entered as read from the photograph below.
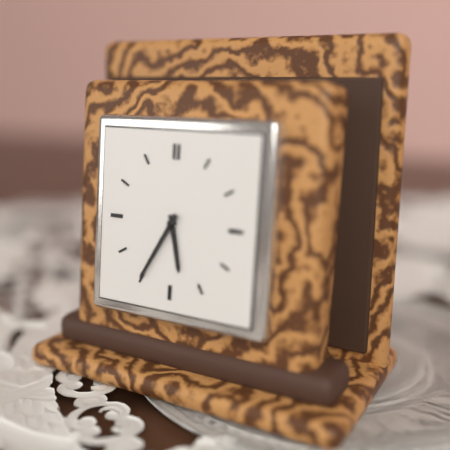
5:35
